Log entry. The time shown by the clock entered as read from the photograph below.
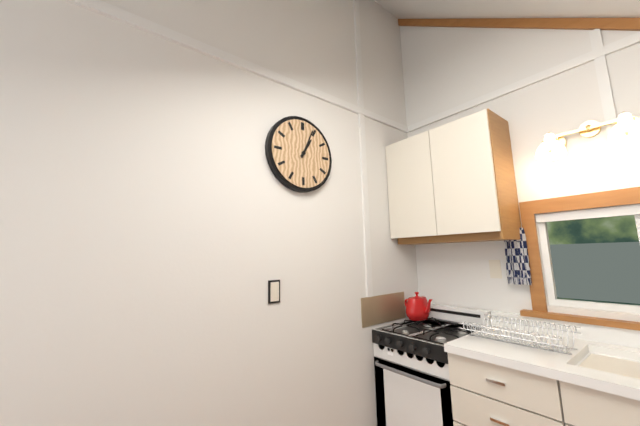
1:04
